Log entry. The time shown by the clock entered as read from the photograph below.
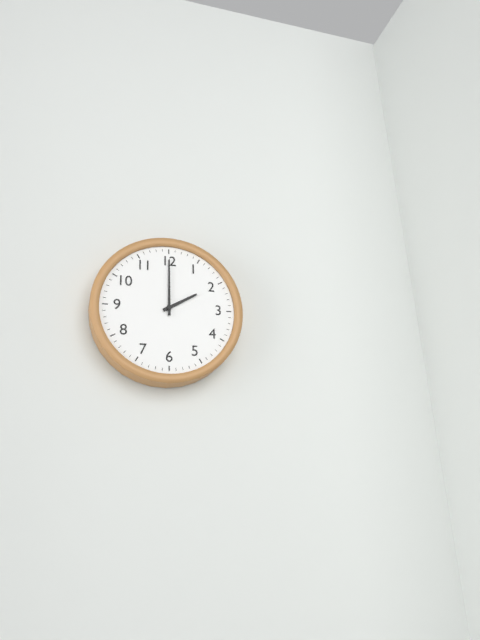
2:00
